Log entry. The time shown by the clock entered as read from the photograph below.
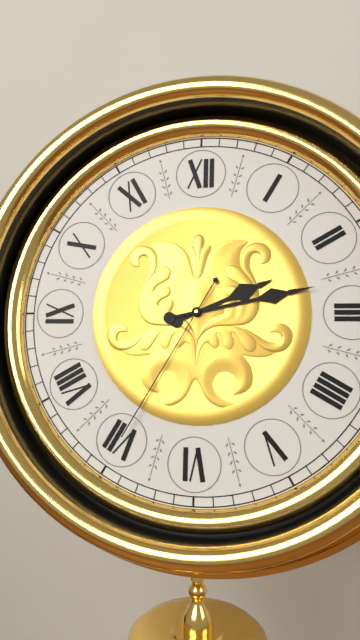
2:13:35
